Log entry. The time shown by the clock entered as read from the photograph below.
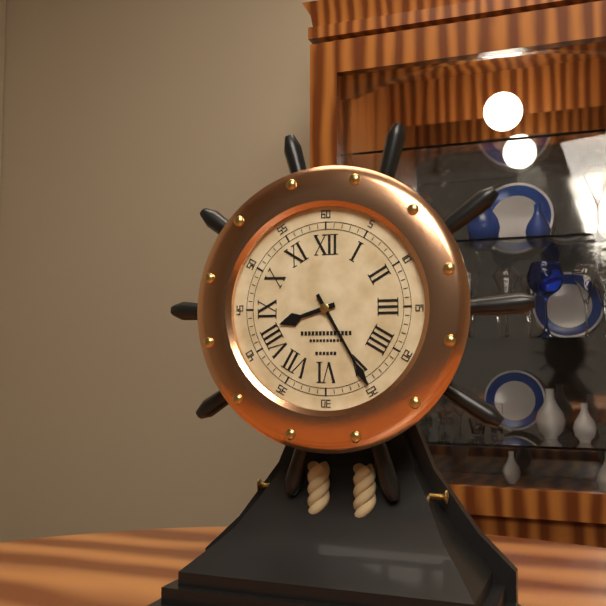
8:25
